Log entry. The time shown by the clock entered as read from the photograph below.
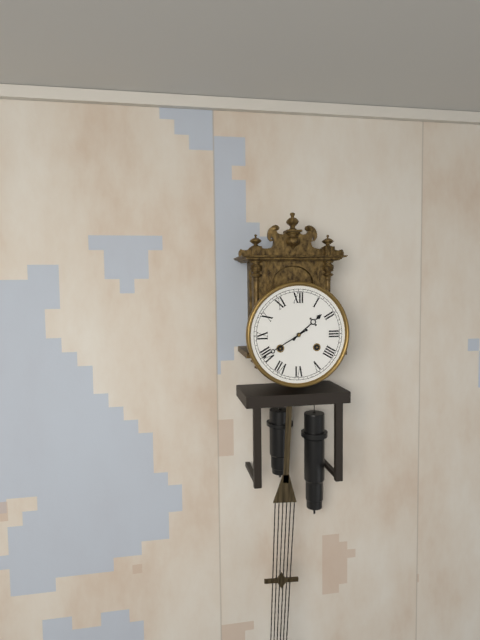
1:40
